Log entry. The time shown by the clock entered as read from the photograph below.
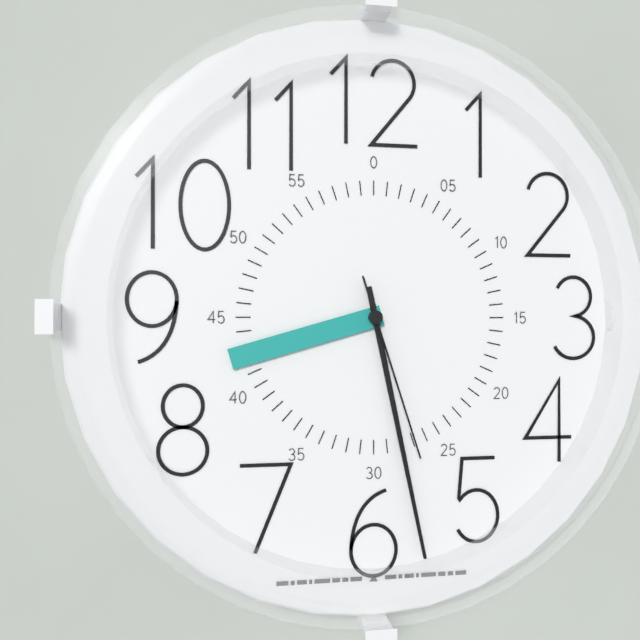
8:28:27
